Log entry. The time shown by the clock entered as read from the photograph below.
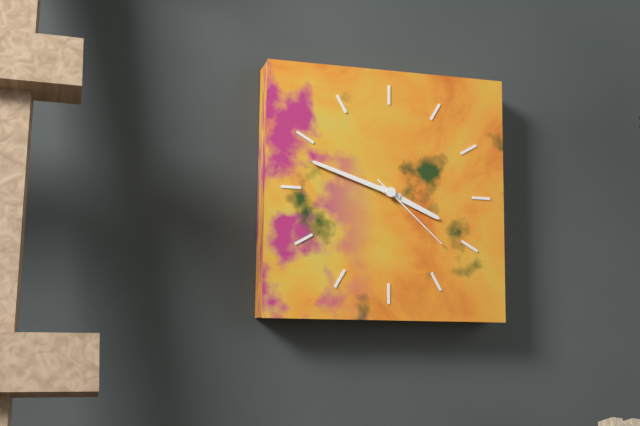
3:48:22
